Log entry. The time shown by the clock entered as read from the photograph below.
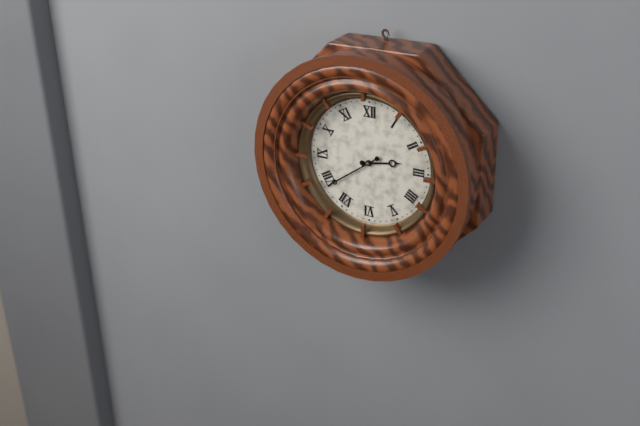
2:39
